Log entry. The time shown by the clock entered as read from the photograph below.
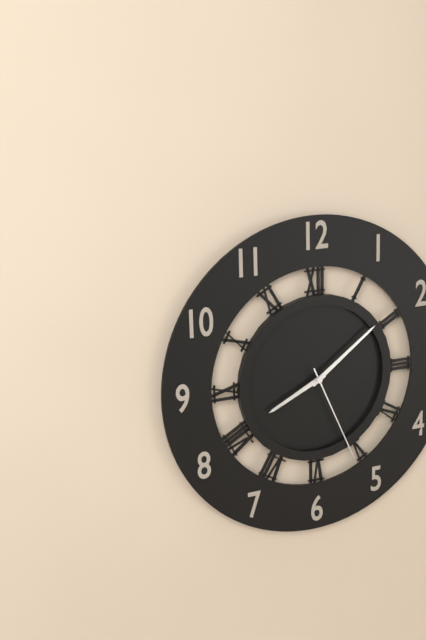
8:09:26
